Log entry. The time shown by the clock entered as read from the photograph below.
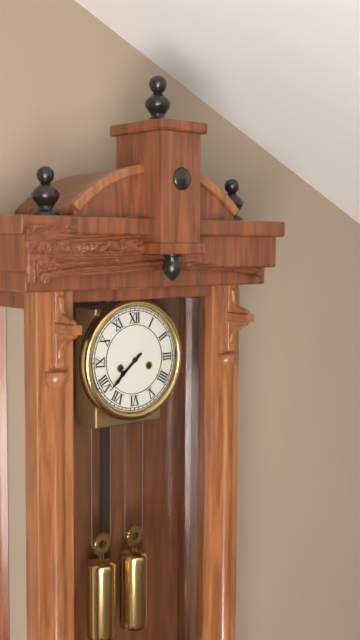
7:38
